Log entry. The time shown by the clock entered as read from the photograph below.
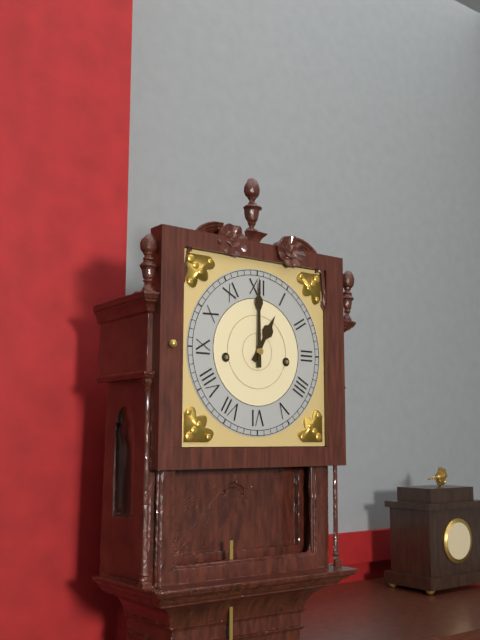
1:00
